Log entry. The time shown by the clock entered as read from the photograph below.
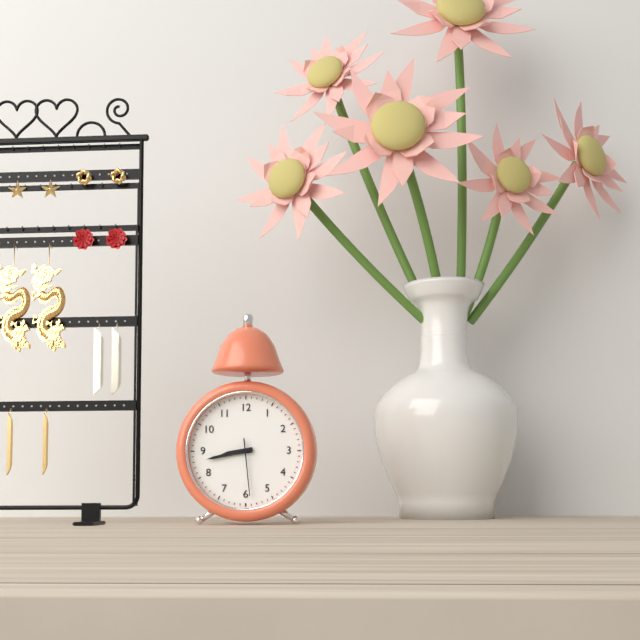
8:43:29
